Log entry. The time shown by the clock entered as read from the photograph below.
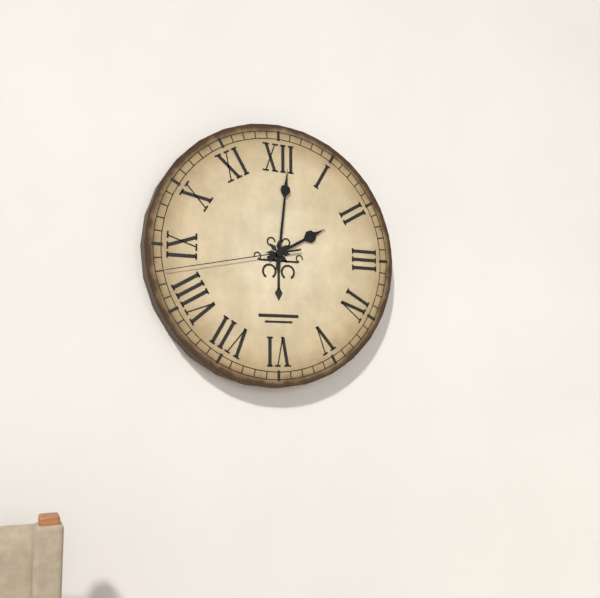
2:01:43
